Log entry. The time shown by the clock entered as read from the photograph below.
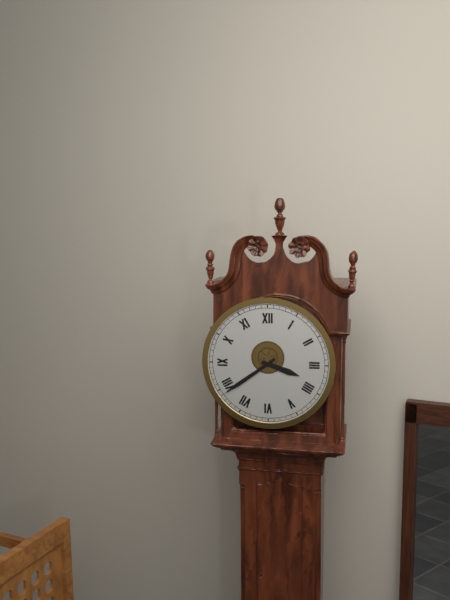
3:39
